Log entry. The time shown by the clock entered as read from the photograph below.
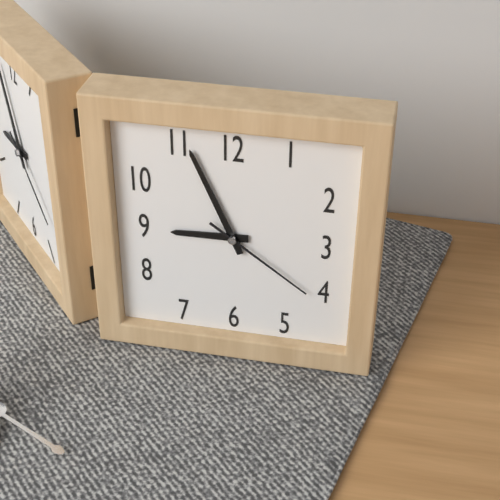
8:56:21
